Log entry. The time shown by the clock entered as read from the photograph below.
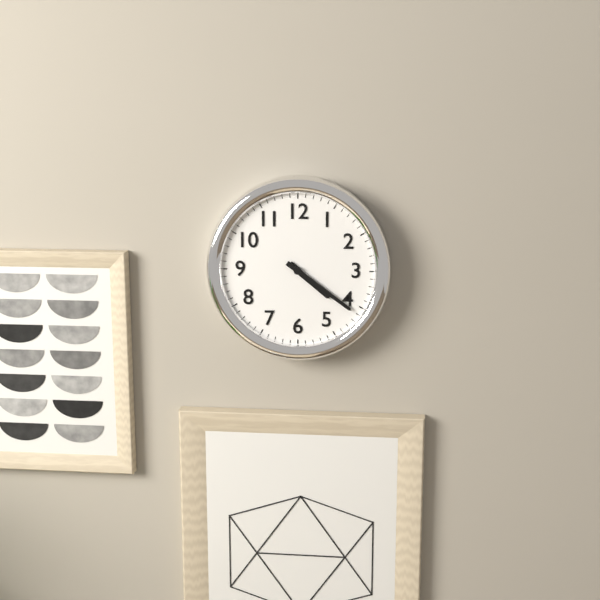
4:21
